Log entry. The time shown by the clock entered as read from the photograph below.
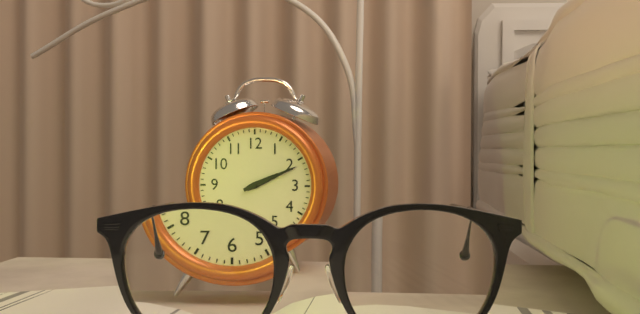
2:11
